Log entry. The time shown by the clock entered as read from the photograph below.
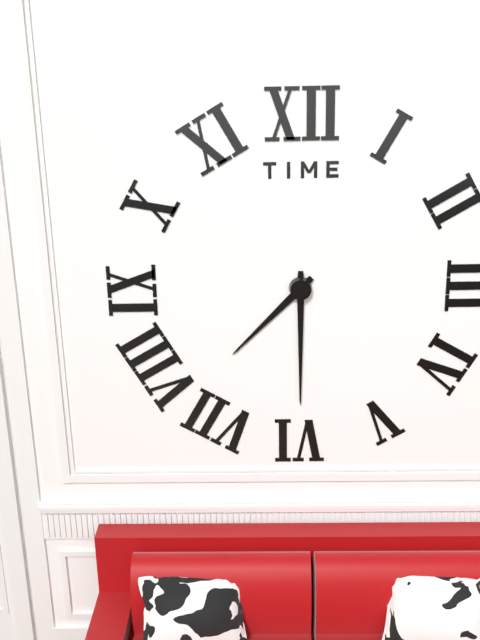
7:30
